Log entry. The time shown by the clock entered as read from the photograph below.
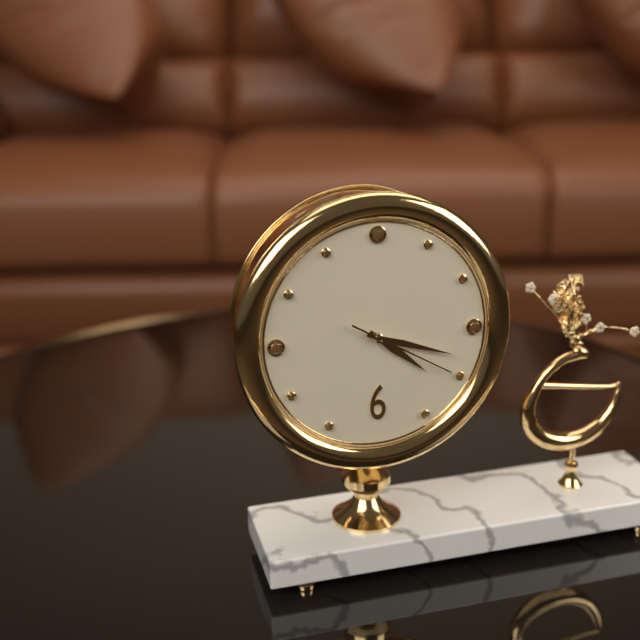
4:18:20
